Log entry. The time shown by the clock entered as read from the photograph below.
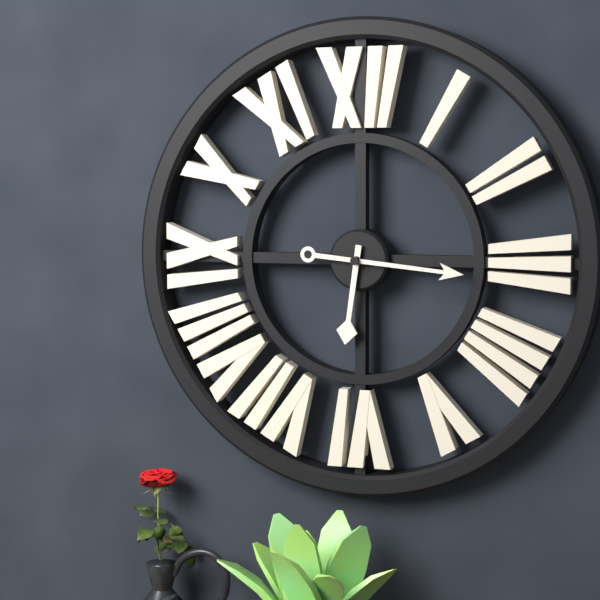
6:16
